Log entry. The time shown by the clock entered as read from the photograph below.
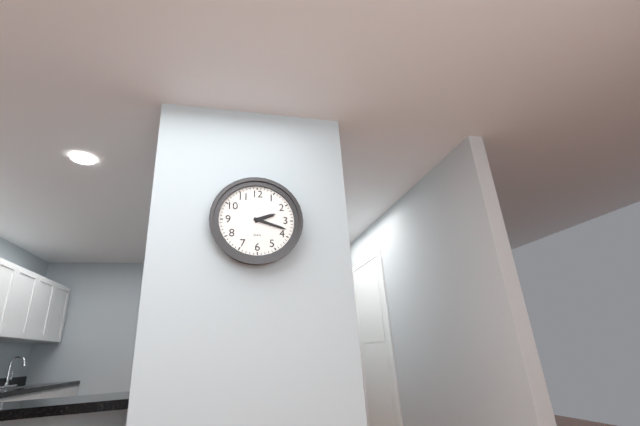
2:18
